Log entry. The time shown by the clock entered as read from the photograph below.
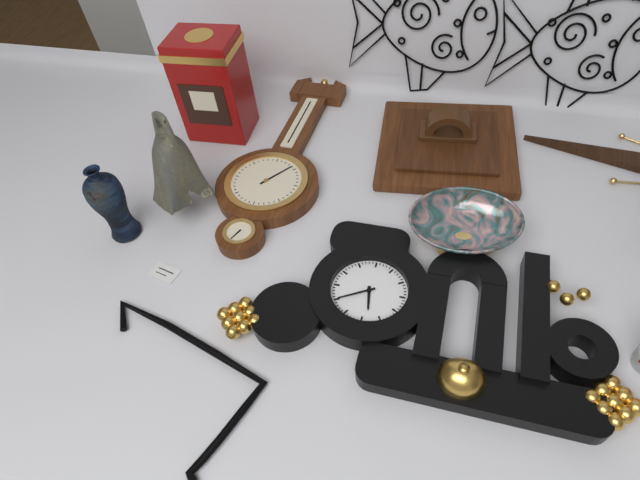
5:40
